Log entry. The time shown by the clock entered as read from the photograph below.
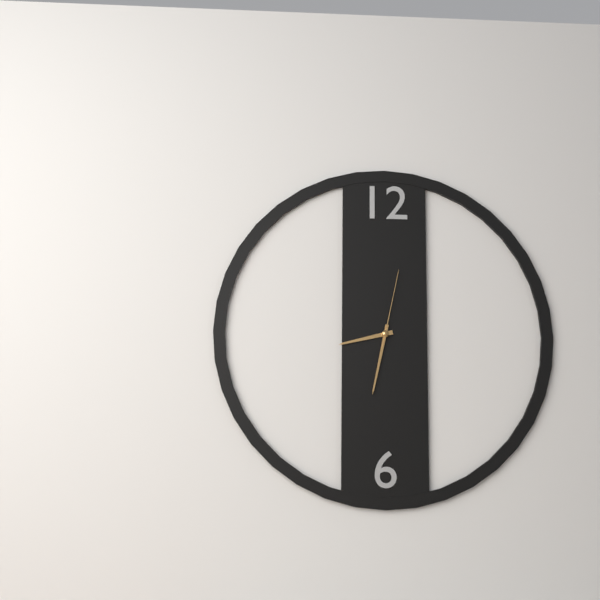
8:32:02
